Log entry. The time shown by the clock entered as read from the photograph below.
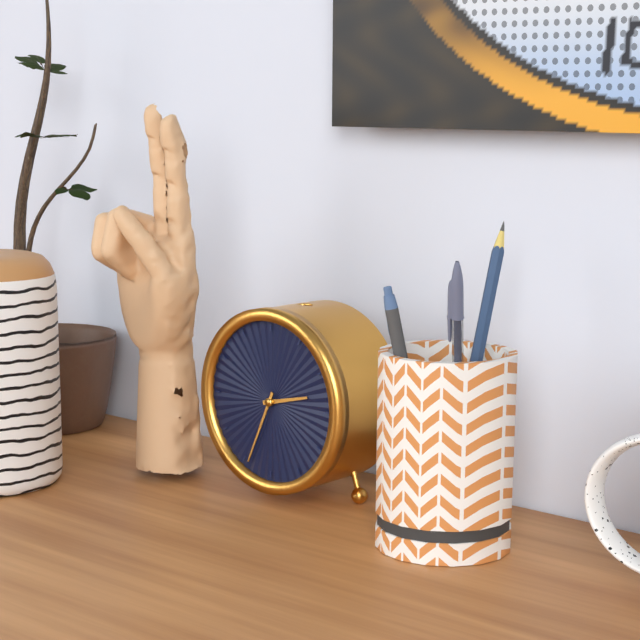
2:34
